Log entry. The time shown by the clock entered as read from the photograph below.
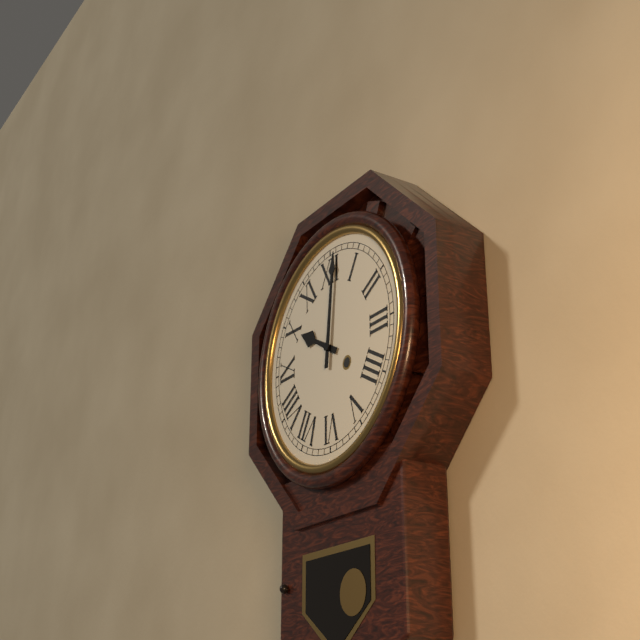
10:01
